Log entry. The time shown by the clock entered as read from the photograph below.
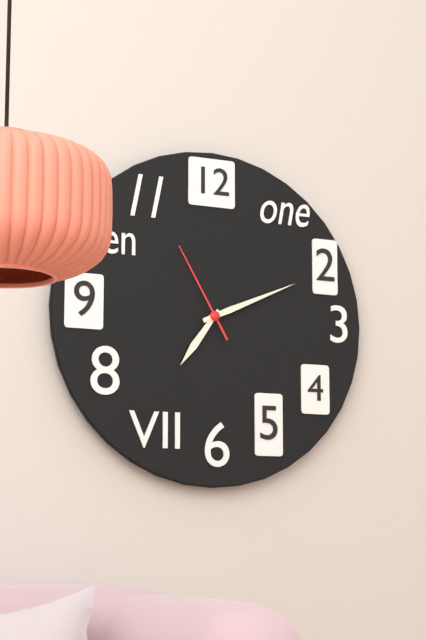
7:11:55
